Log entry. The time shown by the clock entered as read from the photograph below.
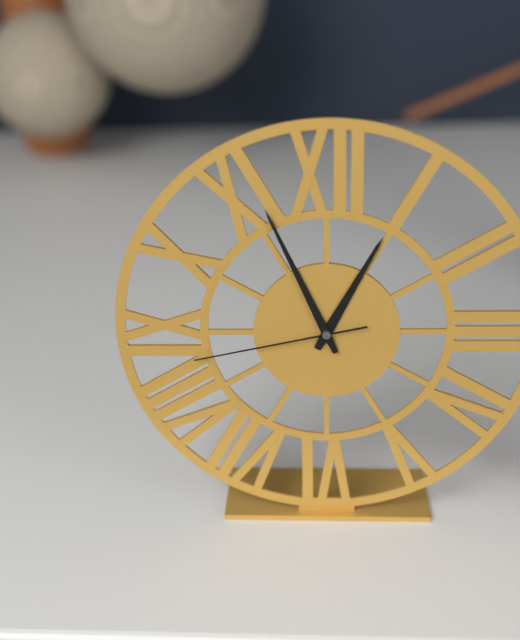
12:56:43
